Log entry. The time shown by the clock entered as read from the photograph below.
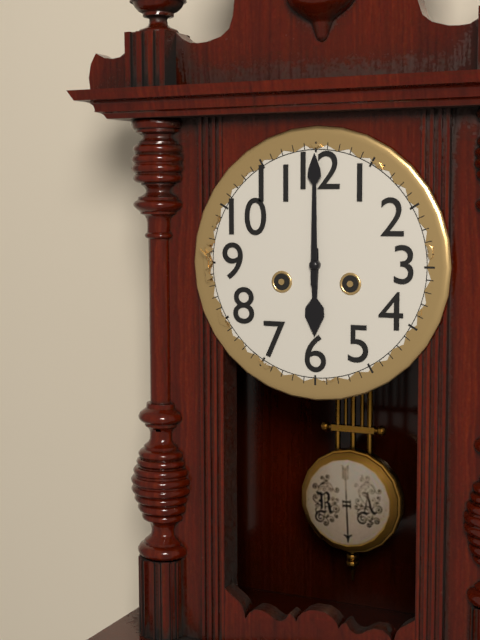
6:00
